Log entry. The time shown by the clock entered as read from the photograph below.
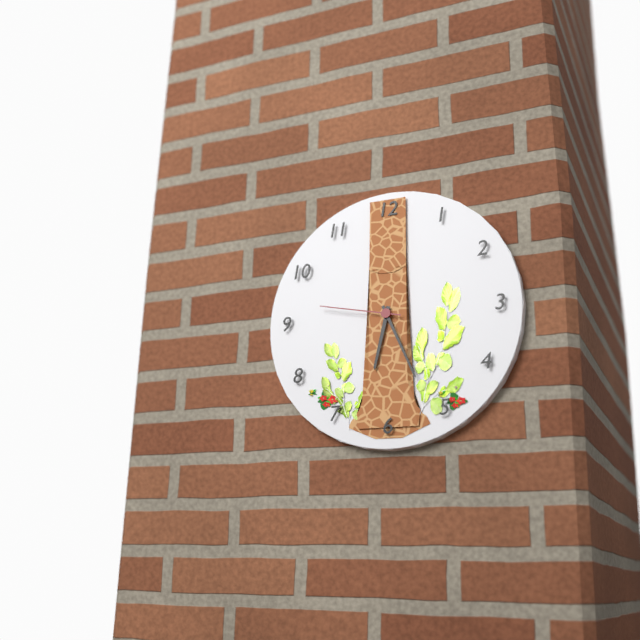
6:26:47
